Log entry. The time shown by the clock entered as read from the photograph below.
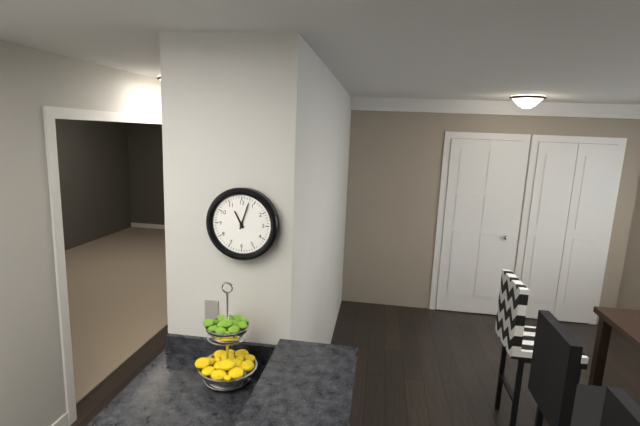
11:03
